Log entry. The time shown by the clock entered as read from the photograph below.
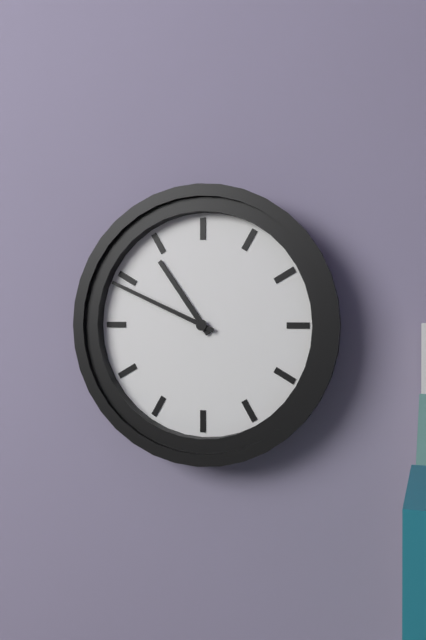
10:49
